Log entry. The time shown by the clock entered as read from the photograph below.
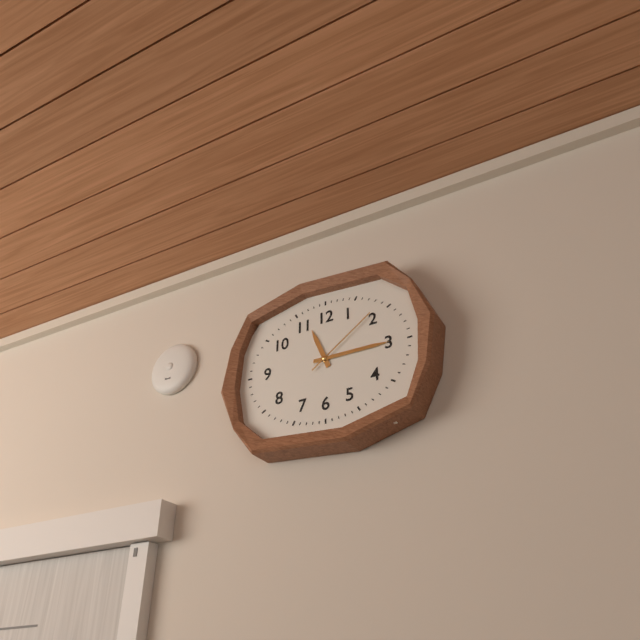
11:15:09
